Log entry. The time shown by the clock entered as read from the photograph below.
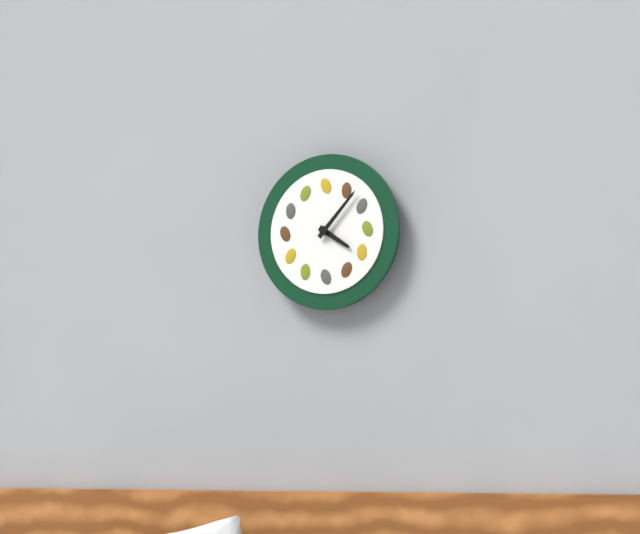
4:07
